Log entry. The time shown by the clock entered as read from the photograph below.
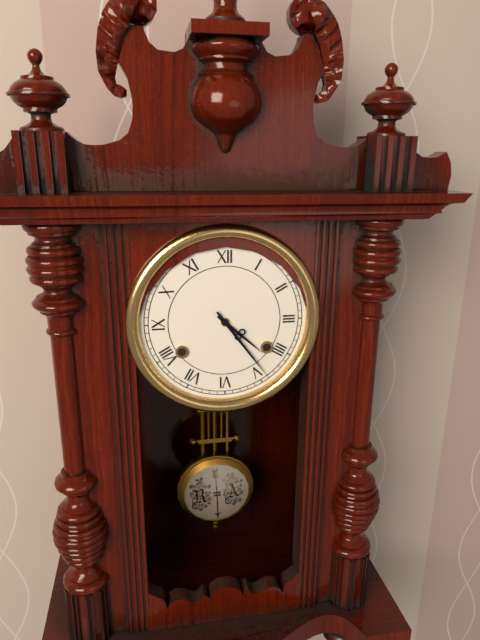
4:24
